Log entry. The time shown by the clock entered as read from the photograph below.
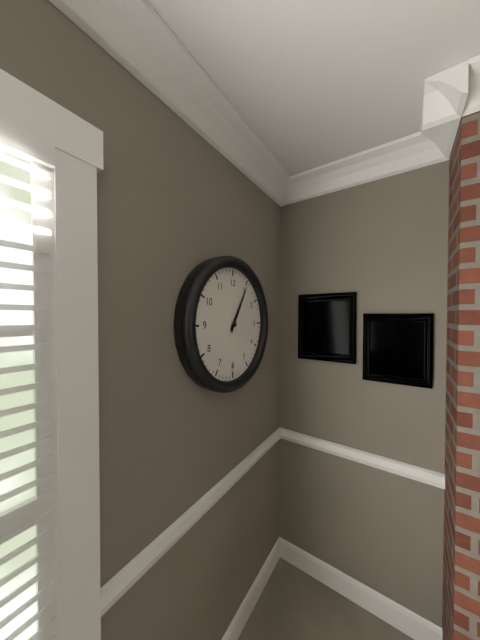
1:05
